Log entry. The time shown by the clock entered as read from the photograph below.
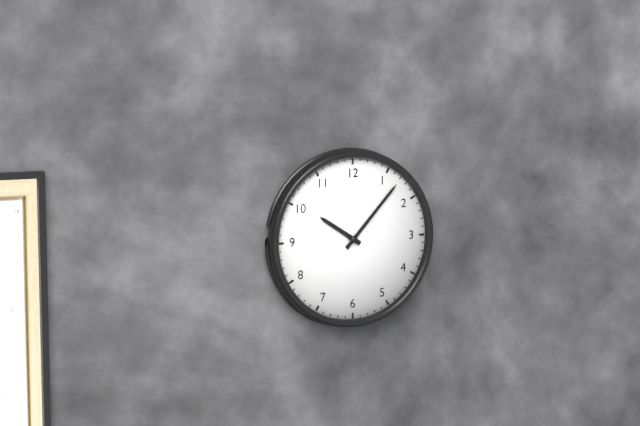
10:07
